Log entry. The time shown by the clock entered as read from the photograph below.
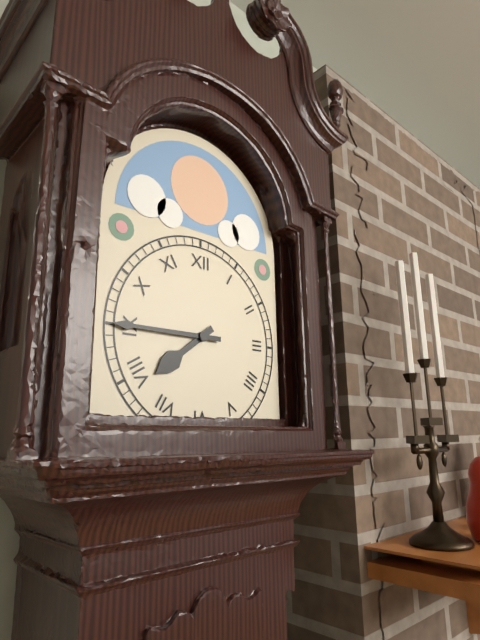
7:45
